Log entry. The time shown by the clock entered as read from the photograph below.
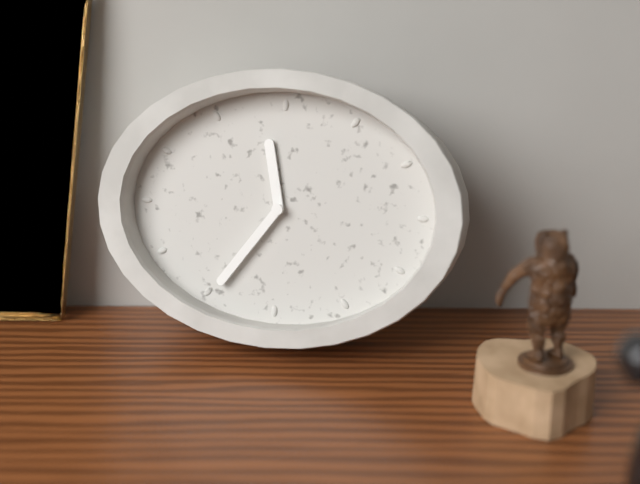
11:36
